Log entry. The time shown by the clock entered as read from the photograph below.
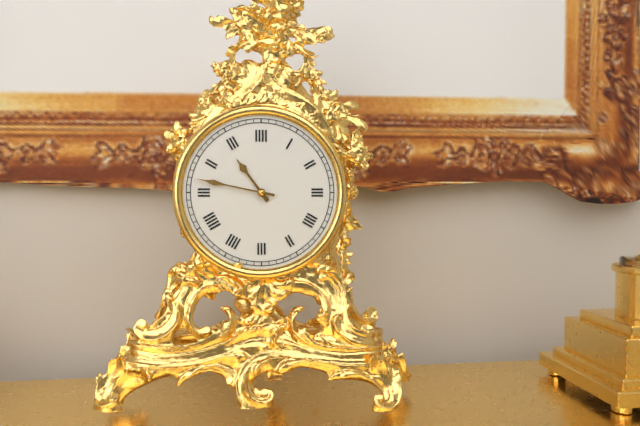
10:47
